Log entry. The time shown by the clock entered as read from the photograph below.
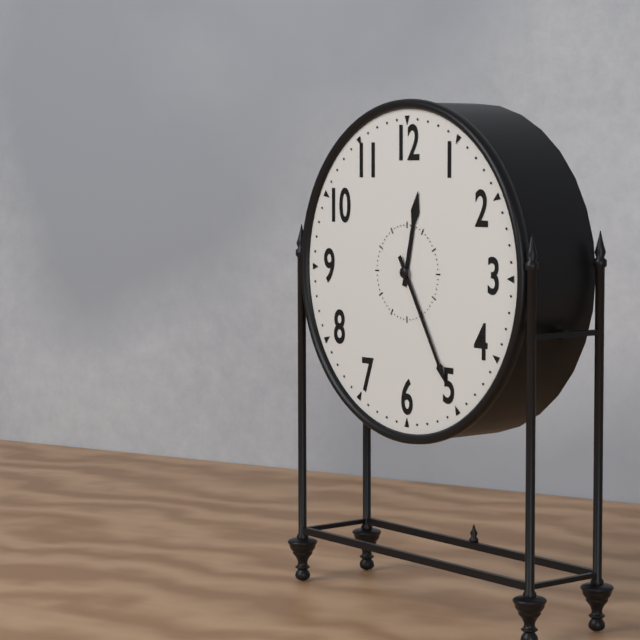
12:25
